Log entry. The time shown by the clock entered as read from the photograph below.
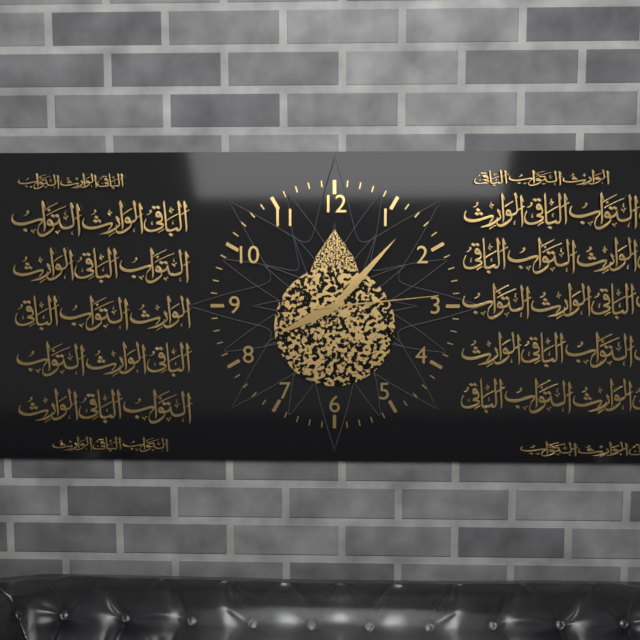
8:07:14
